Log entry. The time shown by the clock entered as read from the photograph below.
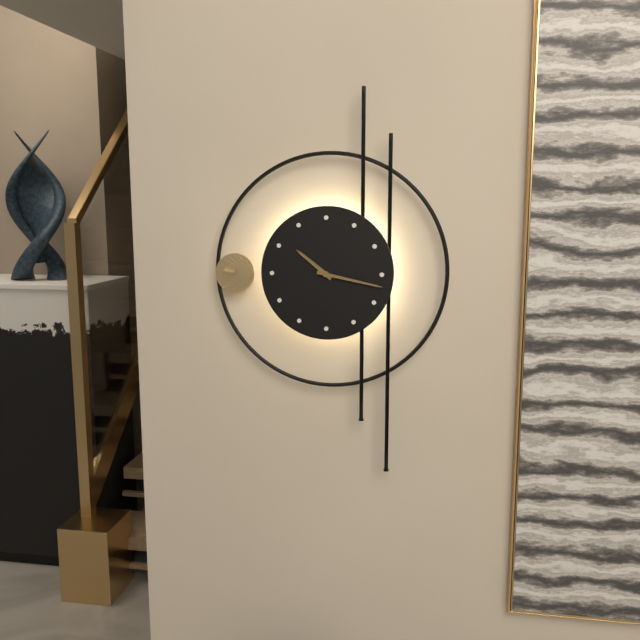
10:17
